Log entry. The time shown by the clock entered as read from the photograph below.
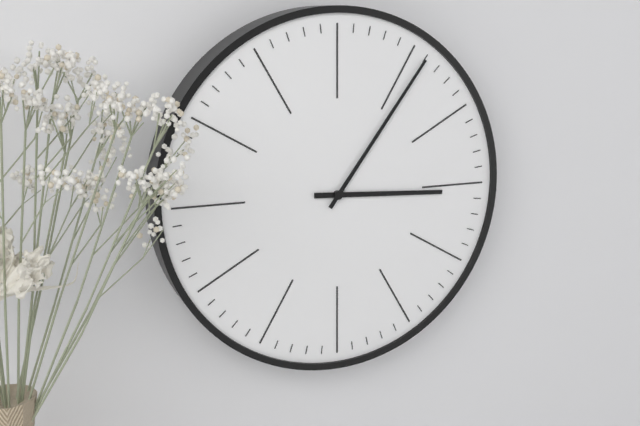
3:06
